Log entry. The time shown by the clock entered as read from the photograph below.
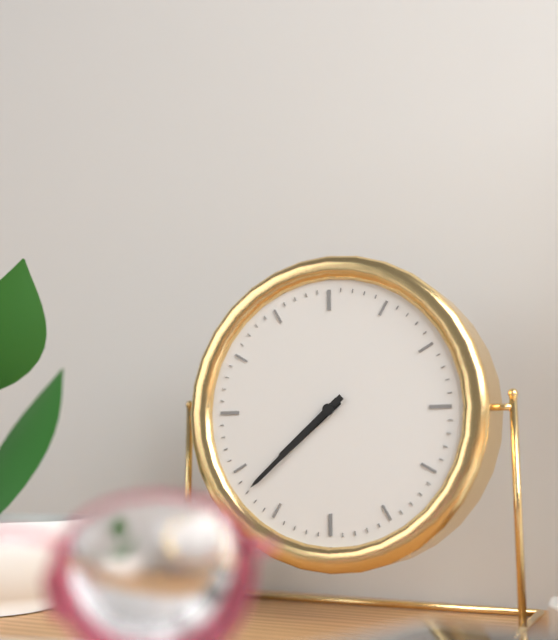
7:38
